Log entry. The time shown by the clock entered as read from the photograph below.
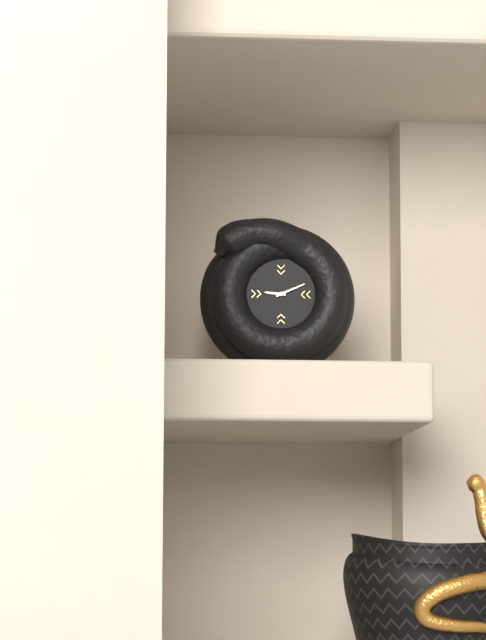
9:11
